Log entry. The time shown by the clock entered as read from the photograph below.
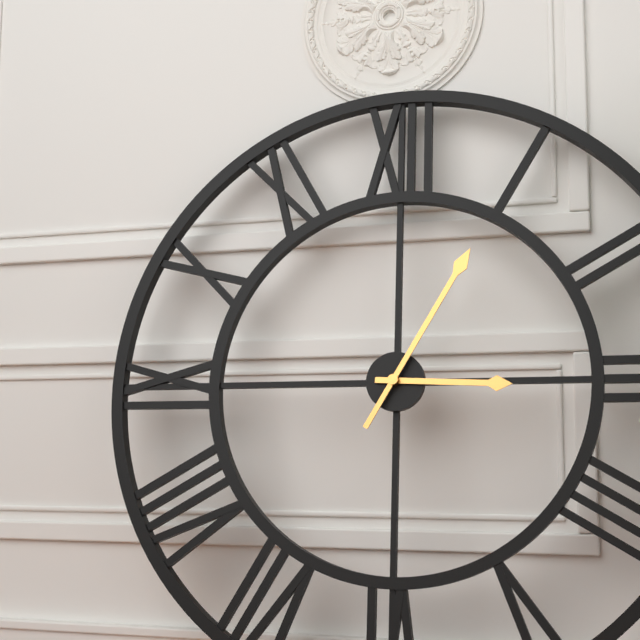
3:05
